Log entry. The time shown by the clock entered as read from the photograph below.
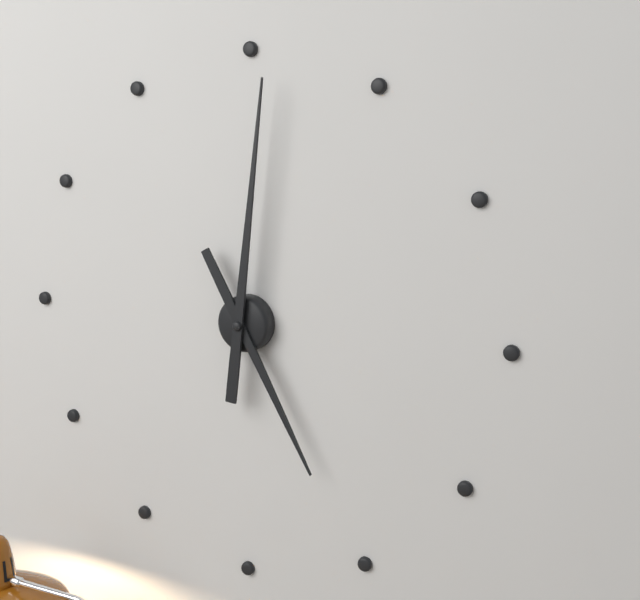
5:01
